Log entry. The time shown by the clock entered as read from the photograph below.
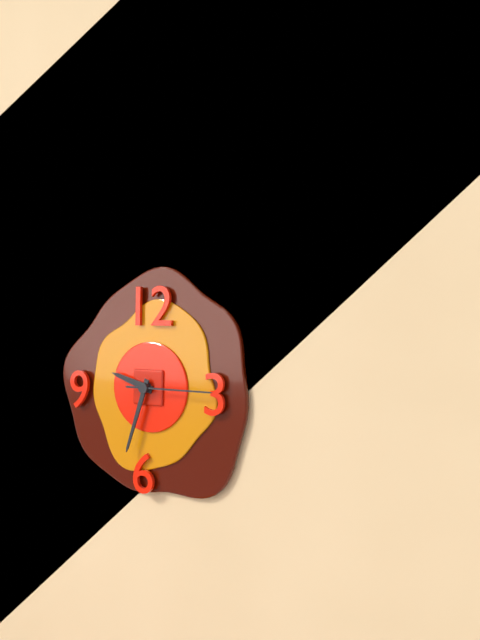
9:33:15
